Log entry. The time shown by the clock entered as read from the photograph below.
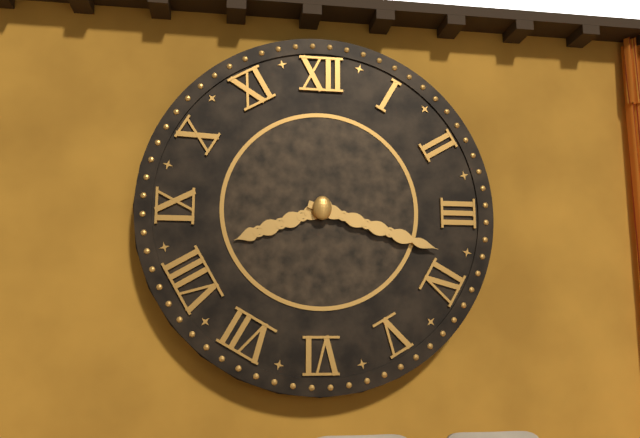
8:18
